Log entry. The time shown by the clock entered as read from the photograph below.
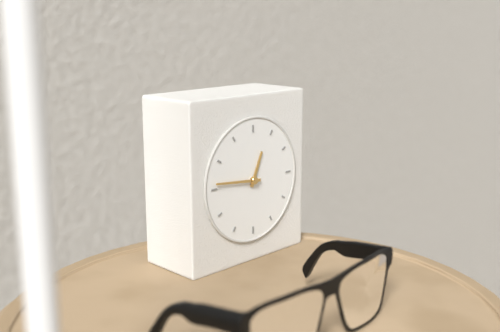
12:46
